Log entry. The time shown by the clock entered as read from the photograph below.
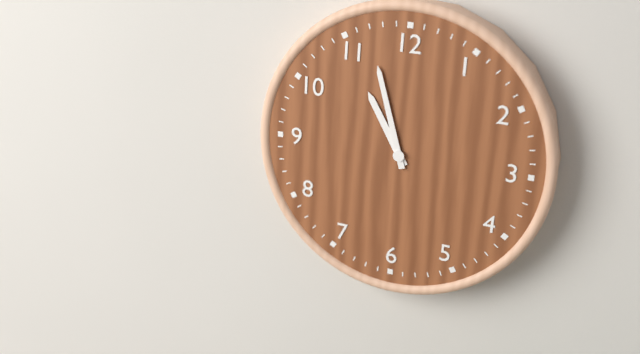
10:57
